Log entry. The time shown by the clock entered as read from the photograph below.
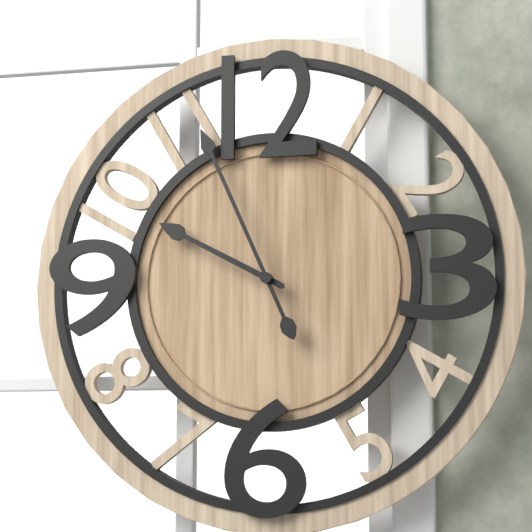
9:56
